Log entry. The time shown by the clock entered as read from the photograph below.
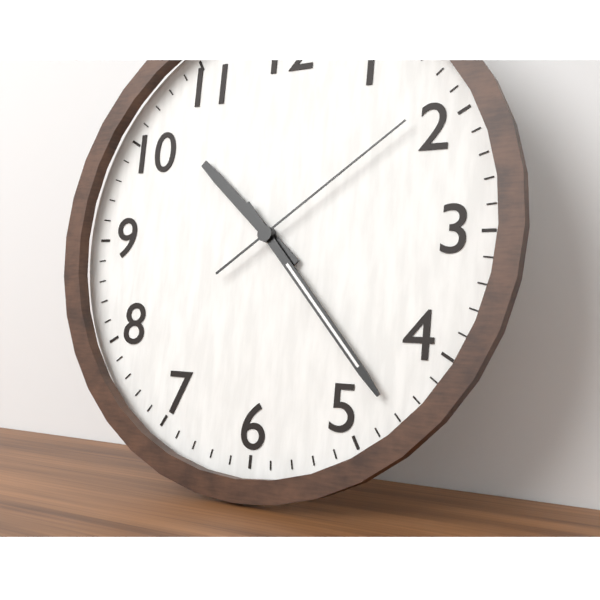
10:23:09
